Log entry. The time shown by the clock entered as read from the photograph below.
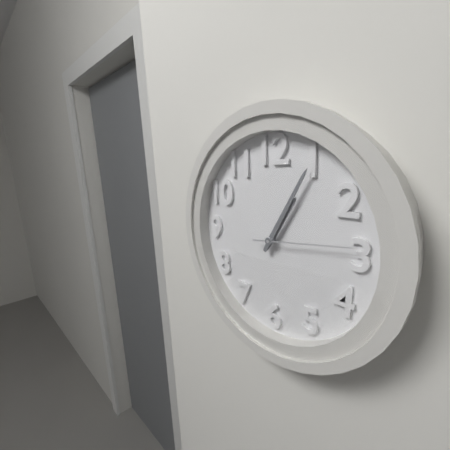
1:05:14
